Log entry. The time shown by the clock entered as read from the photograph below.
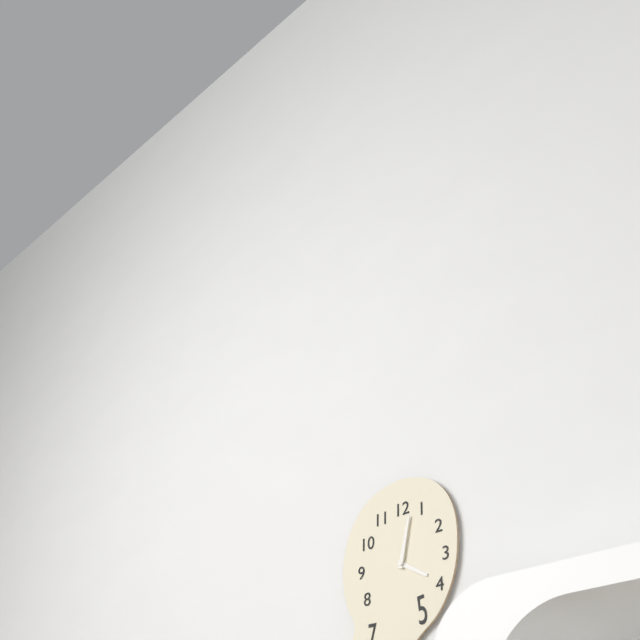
4:02
